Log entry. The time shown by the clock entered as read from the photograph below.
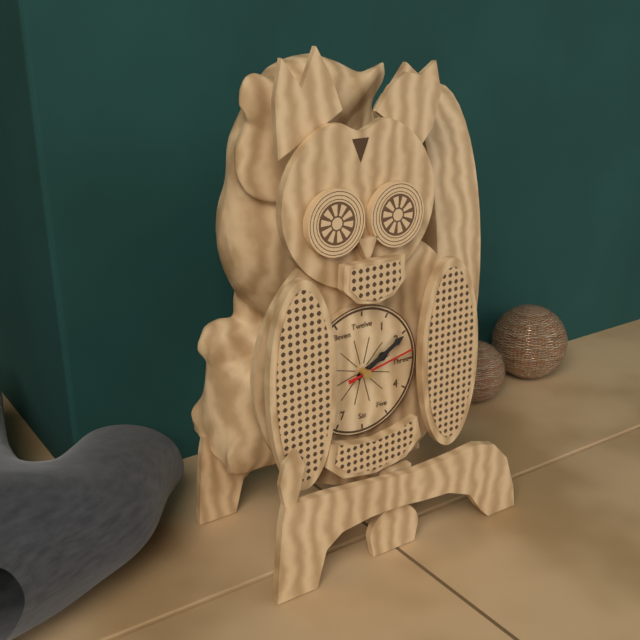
2:10:13
